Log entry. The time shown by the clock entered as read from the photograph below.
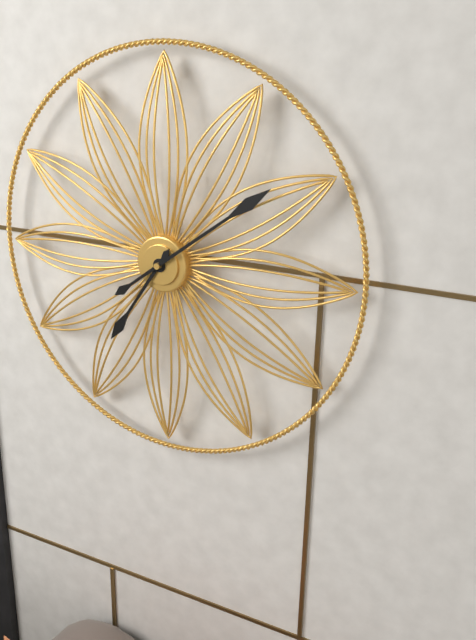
7:09
